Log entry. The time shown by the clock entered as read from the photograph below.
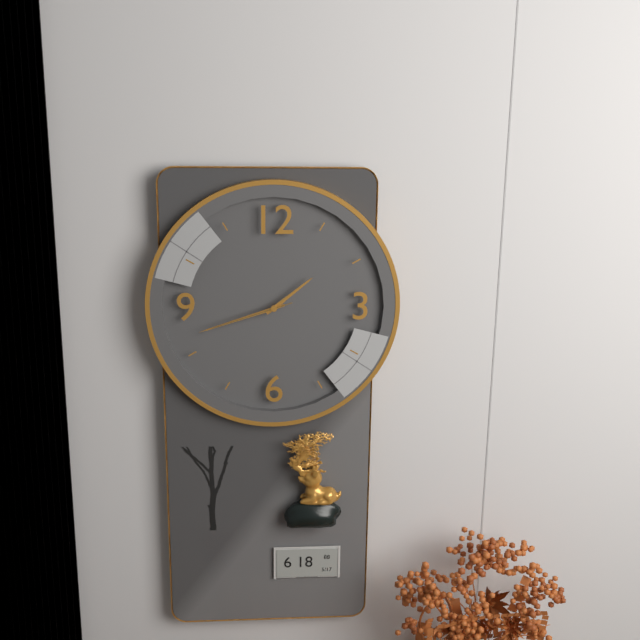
1:42:42
